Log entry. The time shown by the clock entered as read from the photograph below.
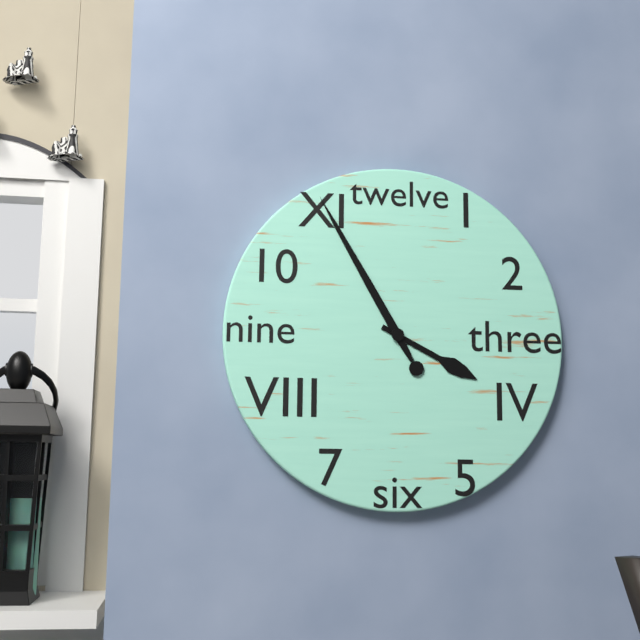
3:55
